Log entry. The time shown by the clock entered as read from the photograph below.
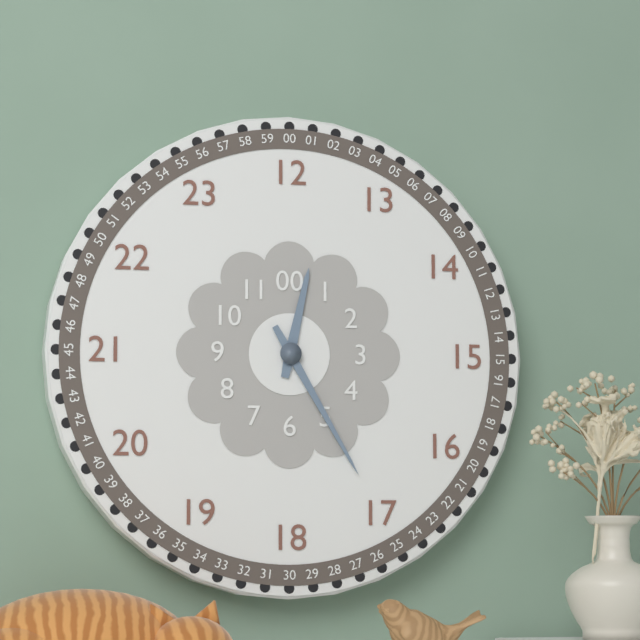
12:25
